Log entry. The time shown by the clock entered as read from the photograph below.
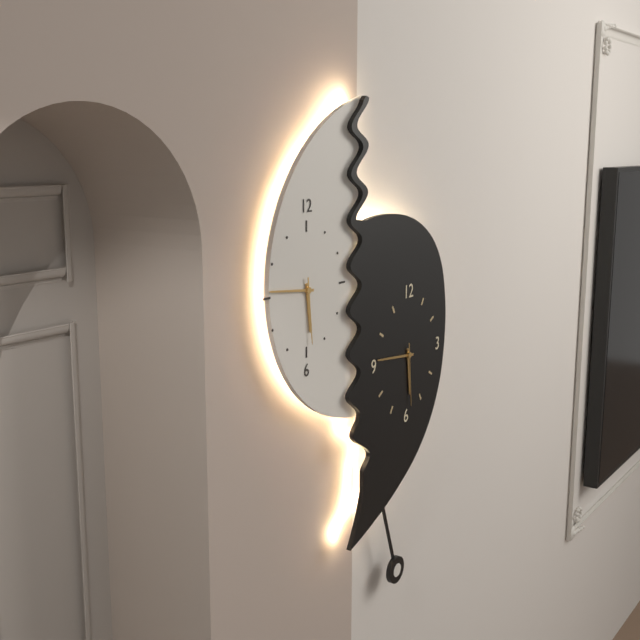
5:46:29
